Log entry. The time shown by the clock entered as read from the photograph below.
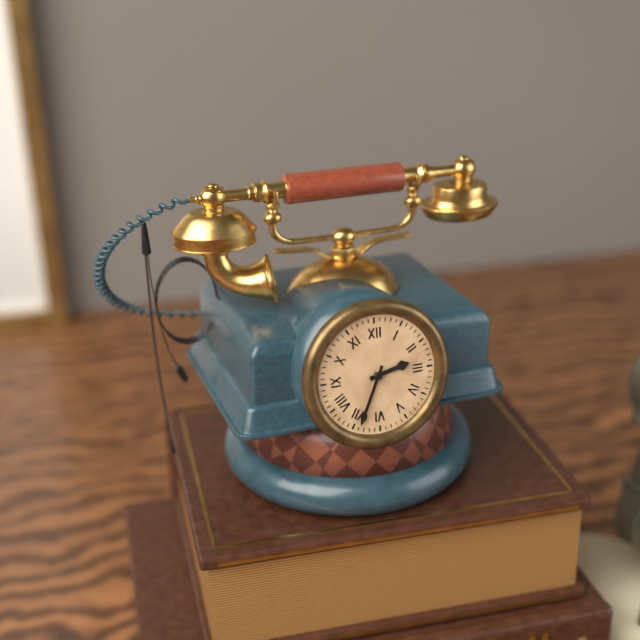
2:34
